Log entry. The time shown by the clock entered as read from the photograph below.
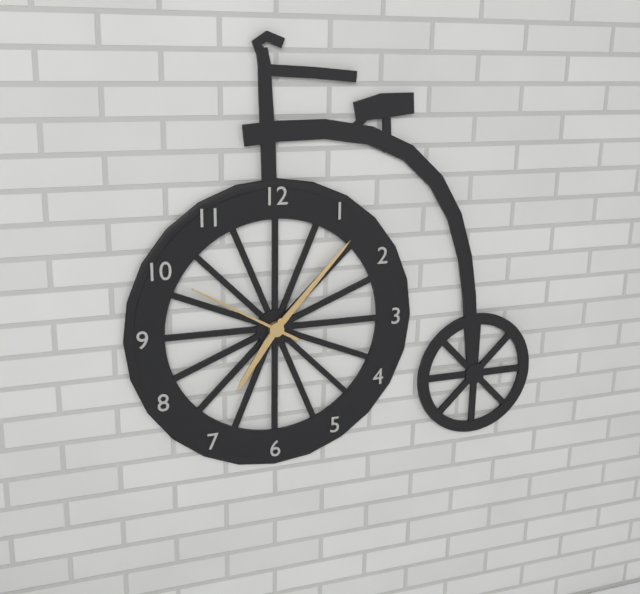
7:07:50
